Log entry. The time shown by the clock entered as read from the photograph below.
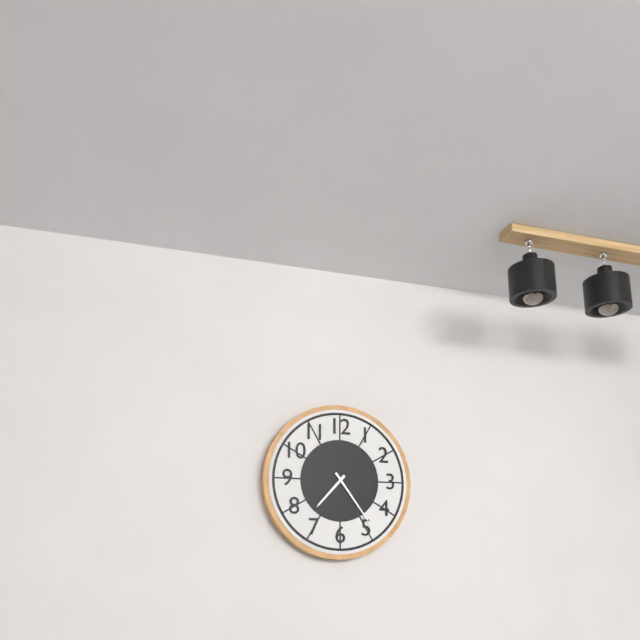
7:24
